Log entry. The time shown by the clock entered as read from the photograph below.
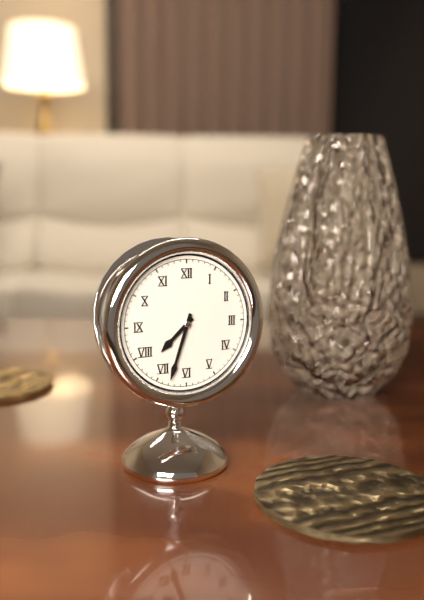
7:33
